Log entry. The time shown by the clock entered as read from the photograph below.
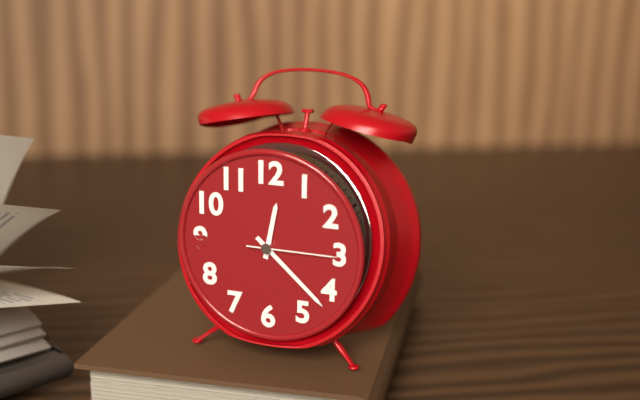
12:22:15
